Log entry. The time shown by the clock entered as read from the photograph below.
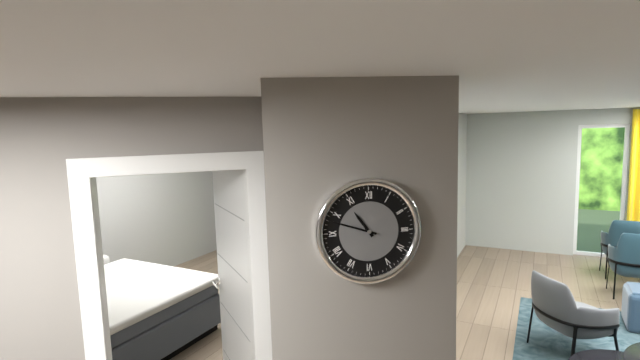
10:48
